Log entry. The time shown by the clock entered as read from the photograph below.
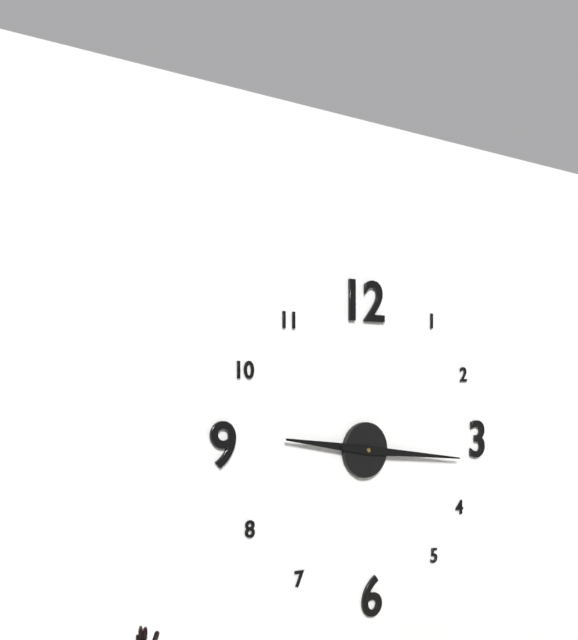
9:16
